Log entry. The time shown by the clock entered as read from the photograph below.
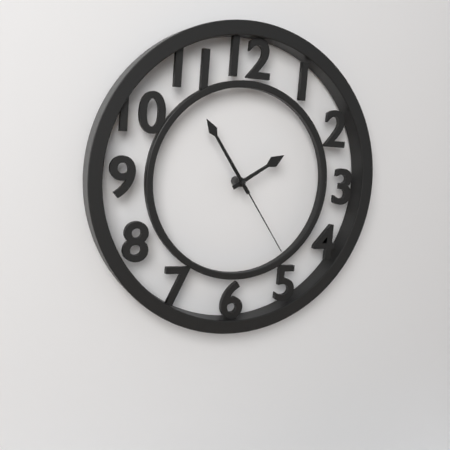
1:54:24
